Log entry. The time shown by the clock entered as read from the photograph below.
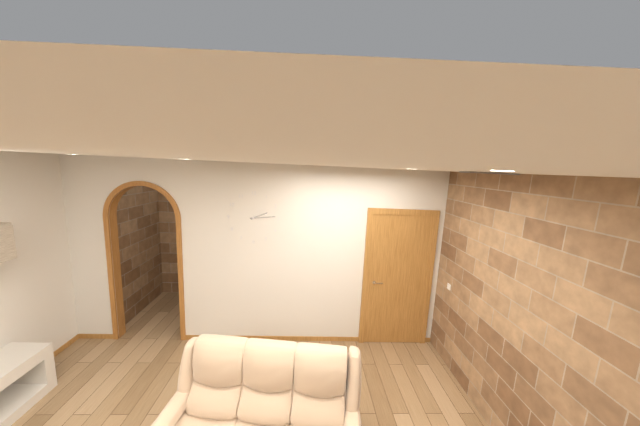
2:14
